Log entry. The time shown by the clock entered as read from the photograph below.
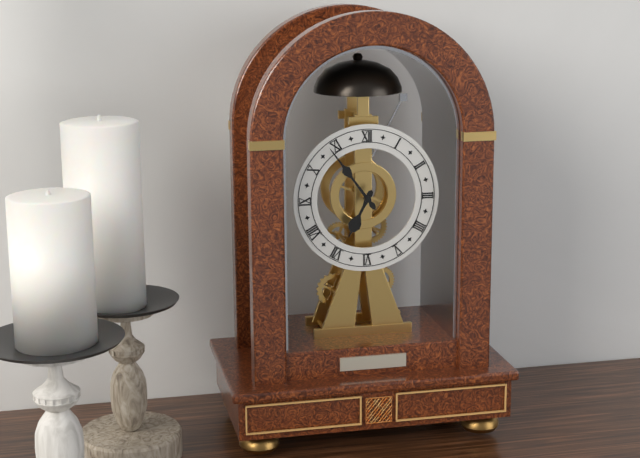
6:54
